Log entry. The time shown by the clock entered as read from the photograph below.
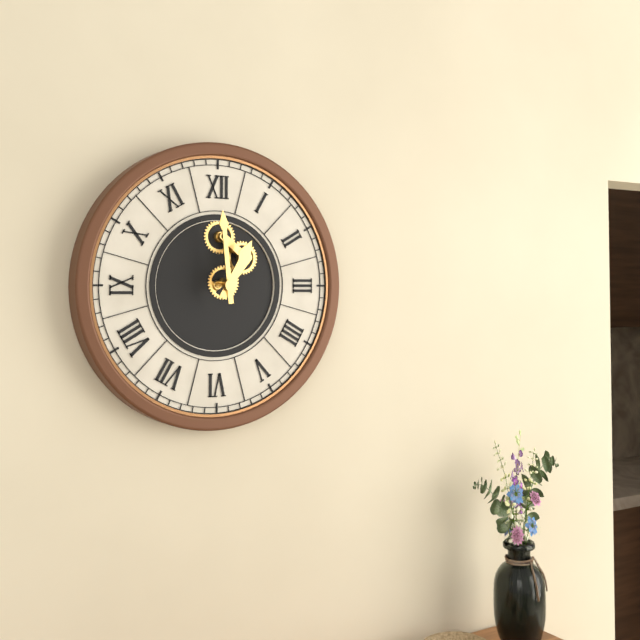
12:59
